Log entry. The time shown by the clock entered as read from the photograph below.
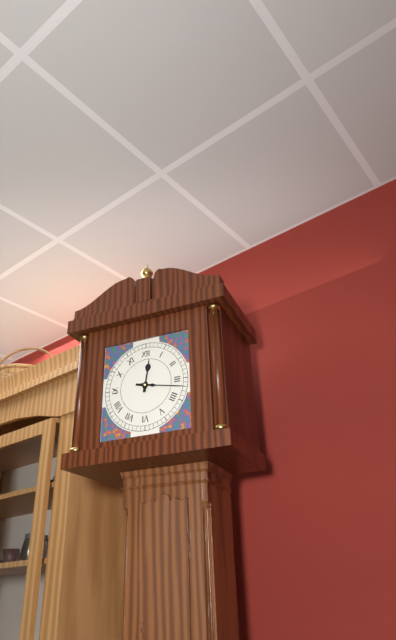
12:17
